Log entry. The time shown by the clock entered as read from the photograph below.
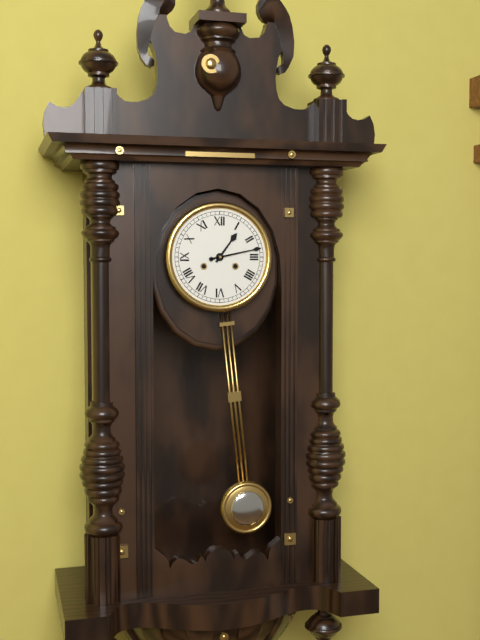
1:13
